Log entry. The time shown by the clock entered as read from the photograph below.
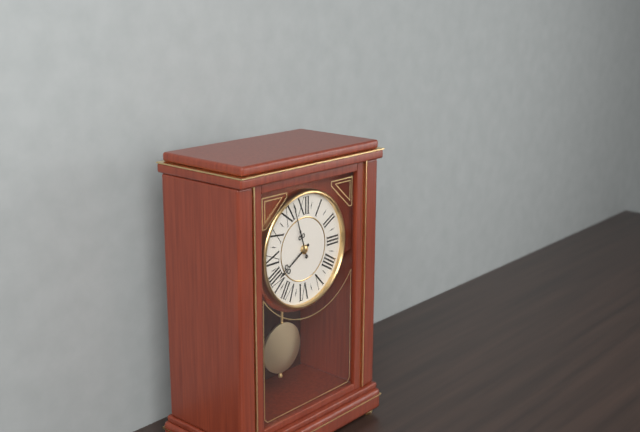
7:57
